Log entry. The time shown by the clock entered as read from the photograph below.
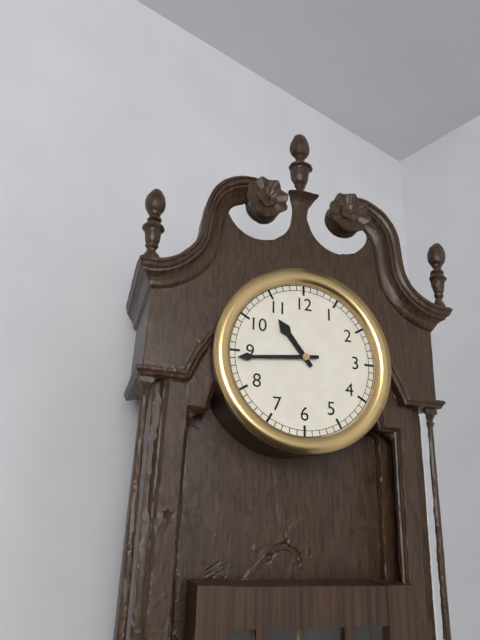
10:44
